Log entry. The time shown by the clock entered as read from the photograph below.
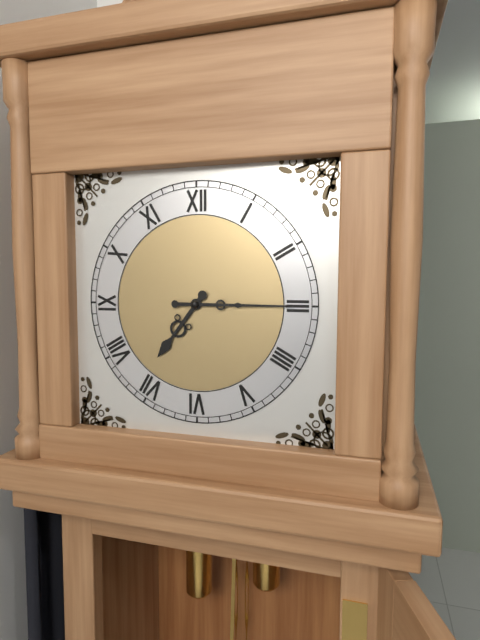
7:15
